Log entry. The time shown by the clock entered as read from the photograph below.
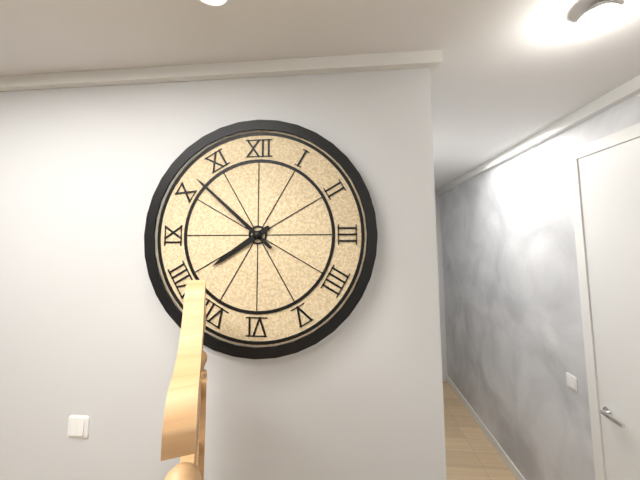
7:52
